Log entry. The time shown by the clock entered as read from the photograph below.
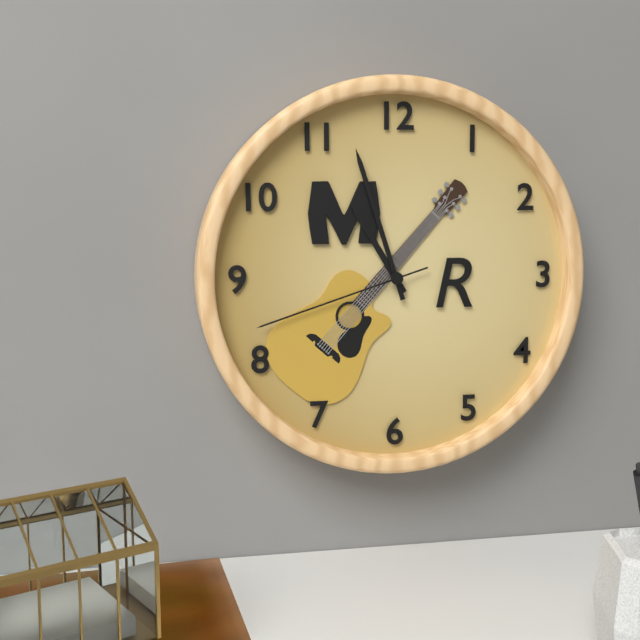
10:57:42
